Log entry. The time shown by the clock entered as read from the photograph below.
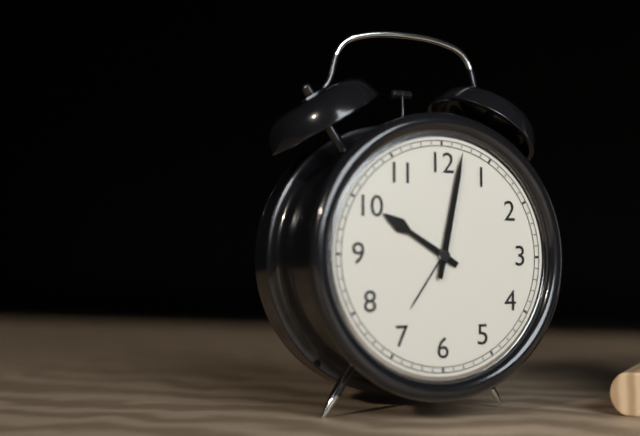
10:02
